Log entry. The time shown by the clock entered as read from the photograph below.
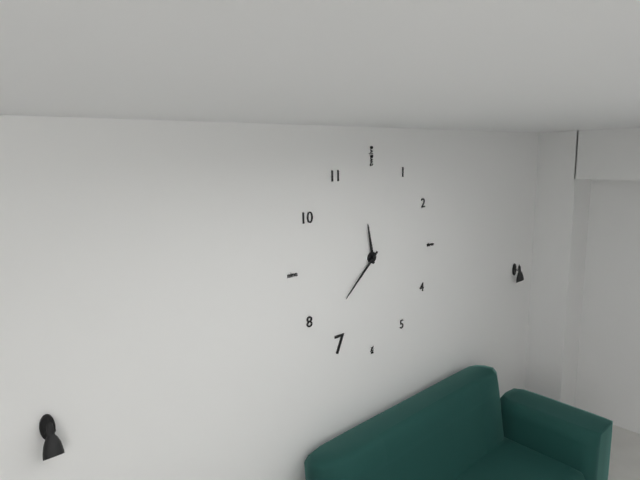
11:38
